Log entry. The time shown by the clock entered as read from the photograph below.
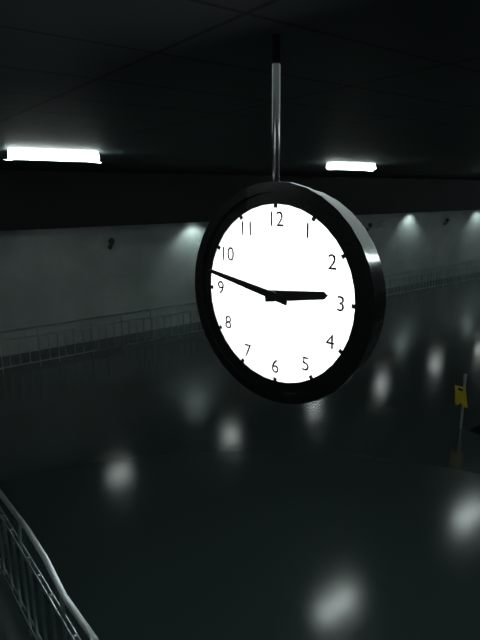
2:47
